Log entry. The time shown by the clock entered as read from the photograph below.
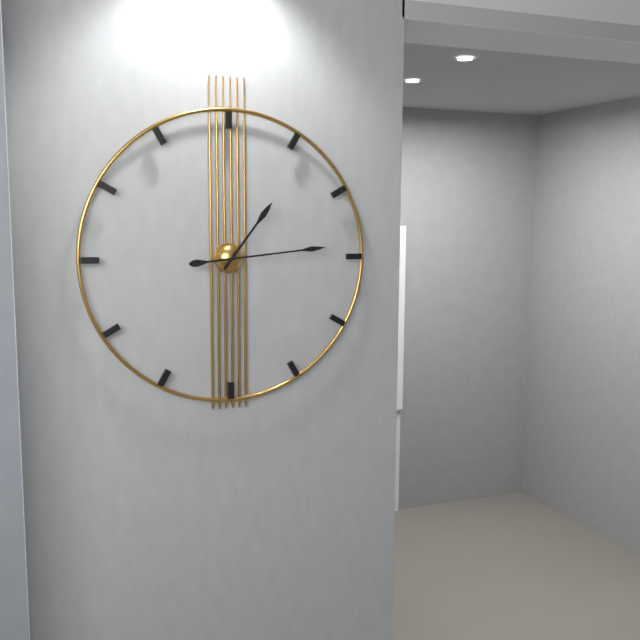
1:14
